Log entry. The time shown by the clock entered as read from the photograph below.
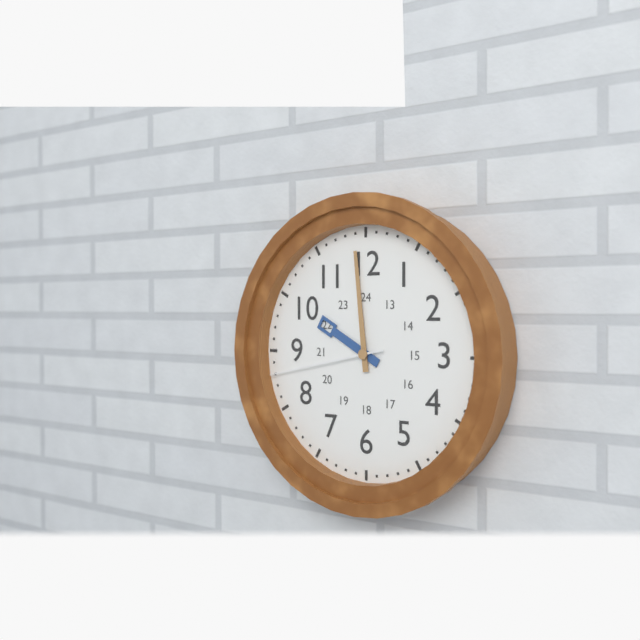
9:59:43
